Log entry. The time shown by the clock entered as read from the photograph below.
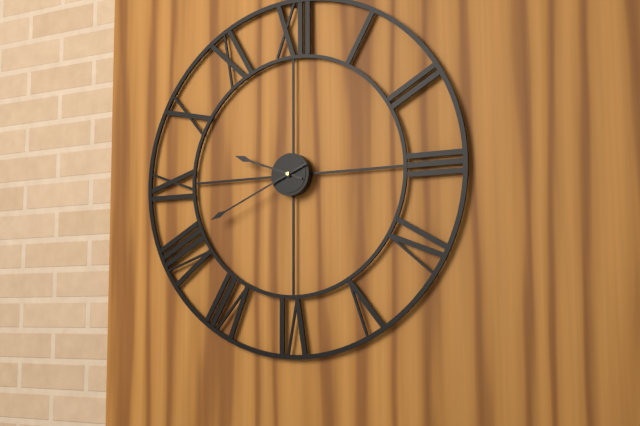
9:41
